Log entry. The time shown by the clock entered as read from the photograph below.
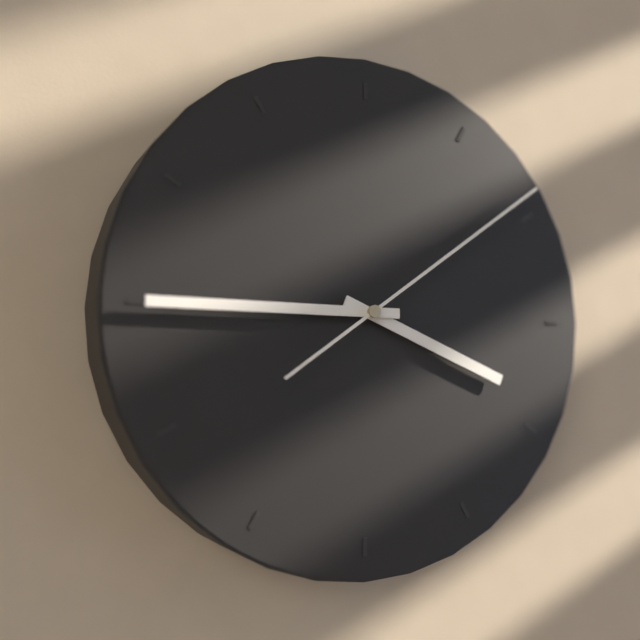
3:45:09
